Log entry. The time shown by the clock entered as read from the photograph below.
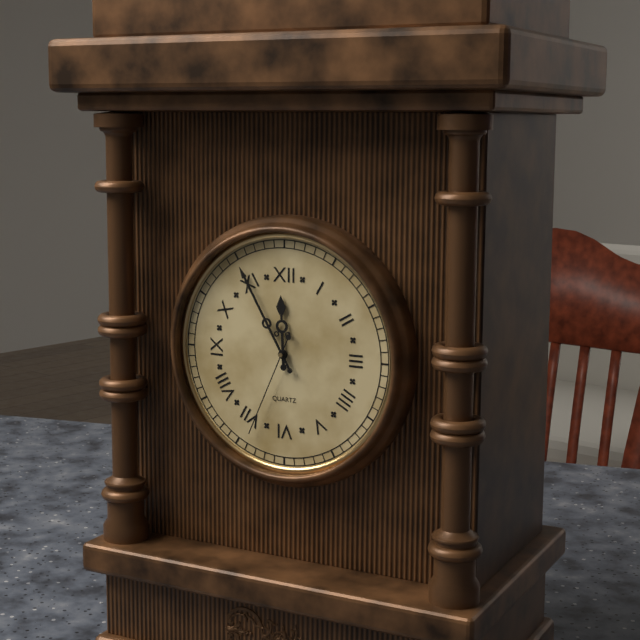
11:55:34
